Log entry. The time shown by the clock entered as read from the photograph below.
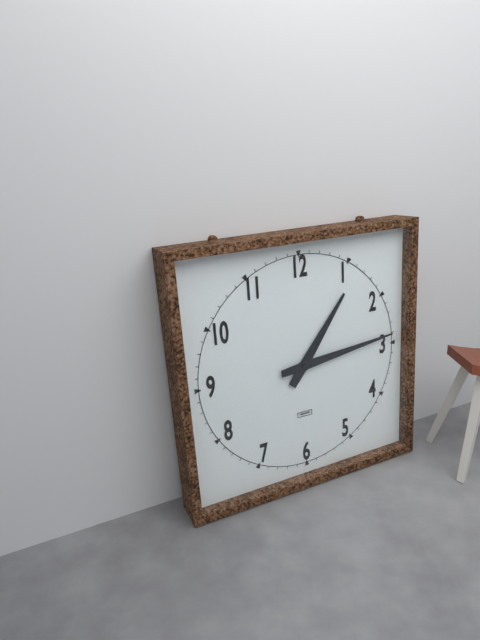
1:14
